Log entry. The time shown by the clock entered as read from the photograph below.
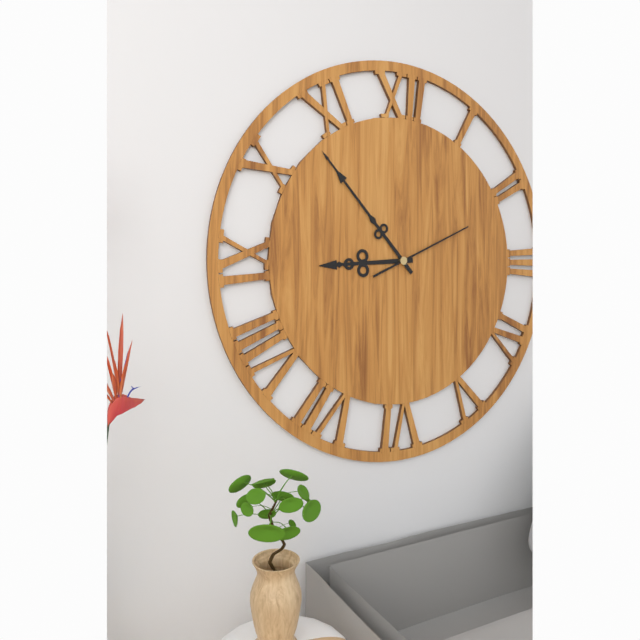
8:53:11
